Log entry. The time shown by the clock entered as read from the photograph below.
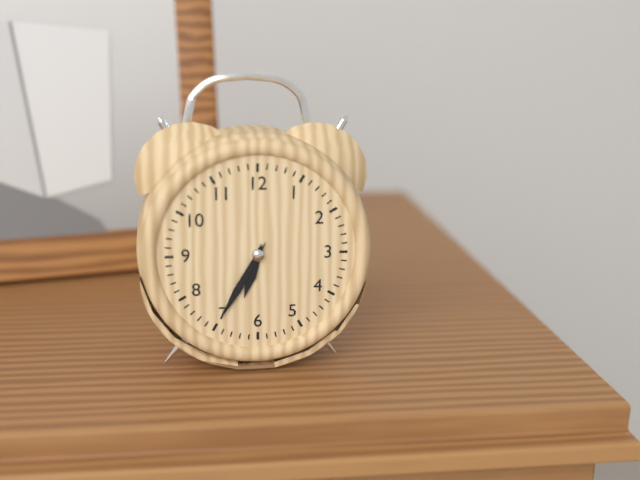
6:35
